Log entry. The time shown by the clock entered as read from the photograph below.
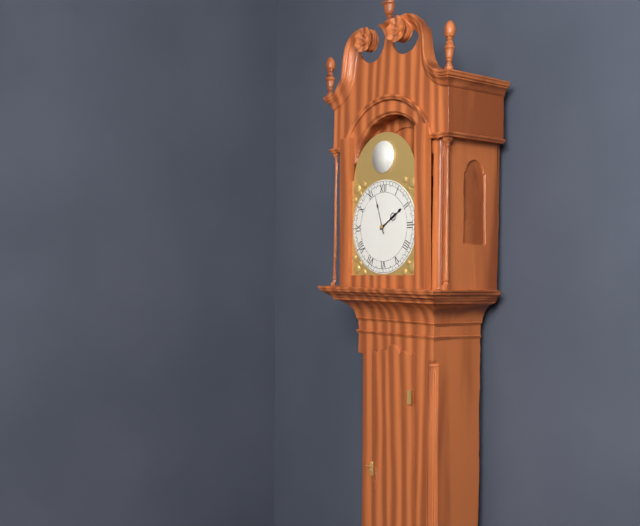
1:57
